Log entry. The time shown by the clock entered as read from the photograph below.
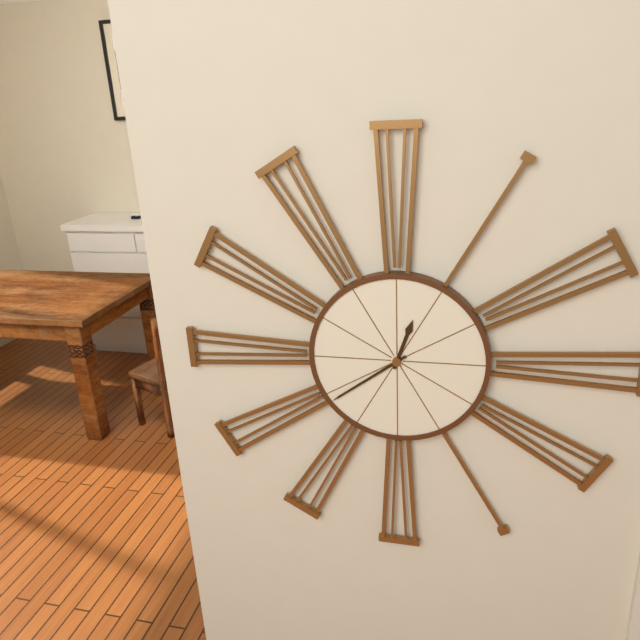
12:39
